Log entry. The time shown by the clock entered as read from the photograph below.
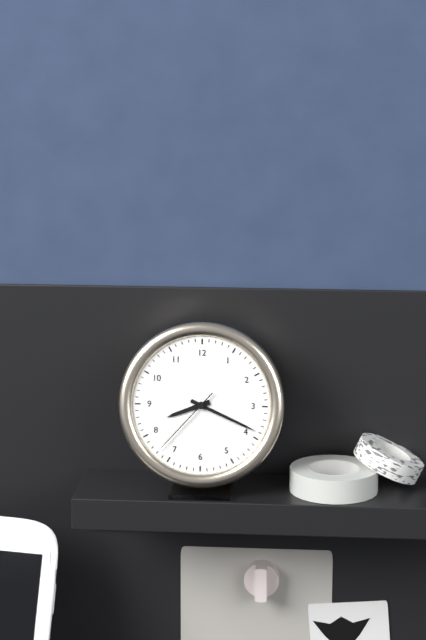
8:19:37
